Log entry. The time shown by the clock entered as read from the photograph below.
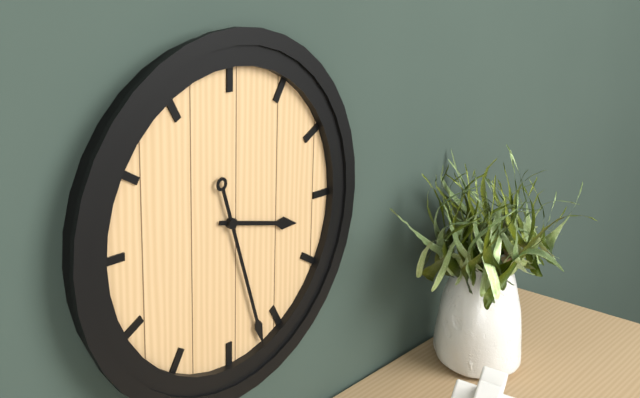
3:27
